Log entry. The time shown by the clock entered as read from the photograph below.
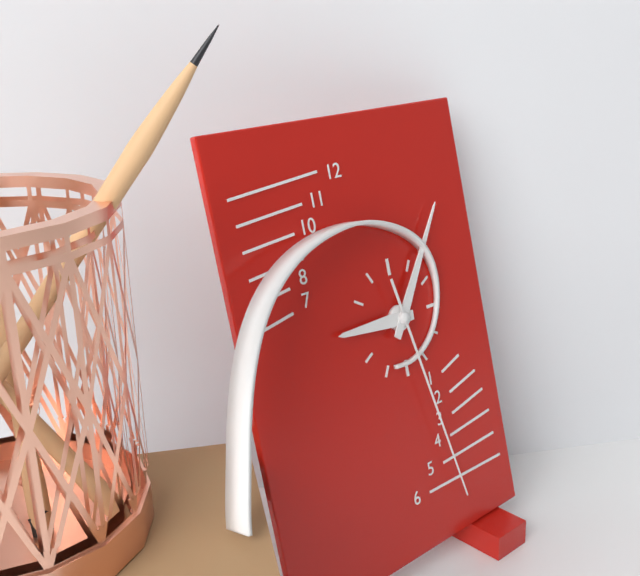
9:06:28
